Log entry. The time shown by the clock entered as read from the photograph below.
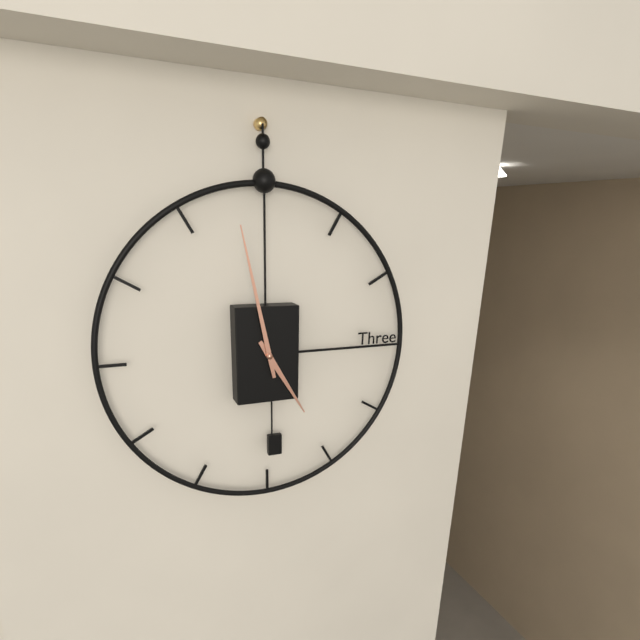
4:58
